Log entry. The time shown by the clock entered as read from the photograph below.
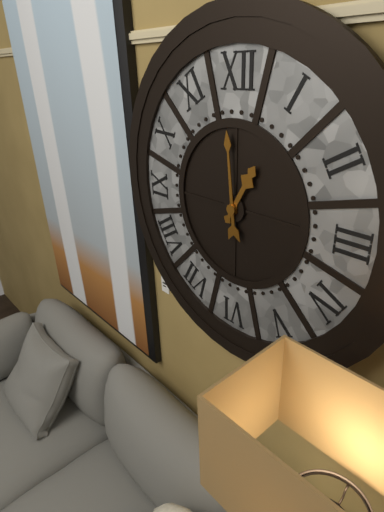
12:59
